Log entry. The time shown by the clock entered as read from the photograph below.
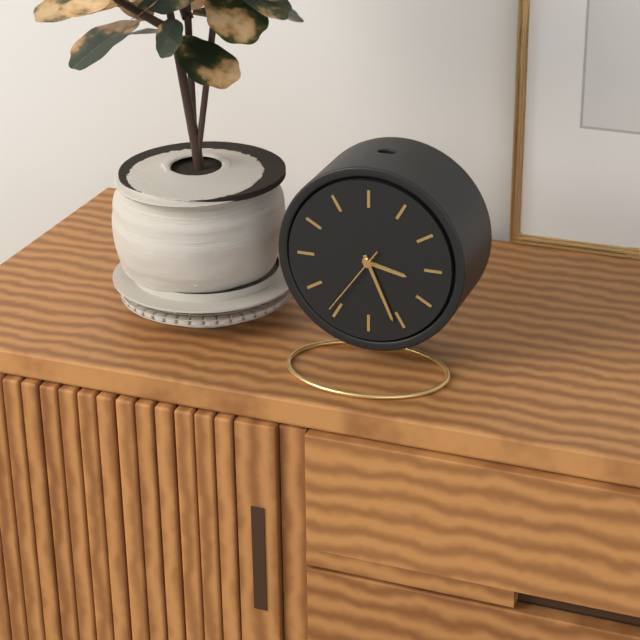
3:26:36
